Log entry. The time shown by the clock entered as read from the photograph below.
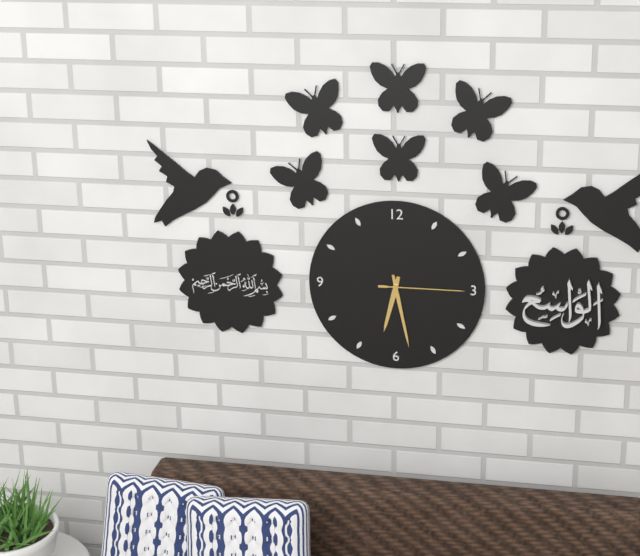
6:28:15
